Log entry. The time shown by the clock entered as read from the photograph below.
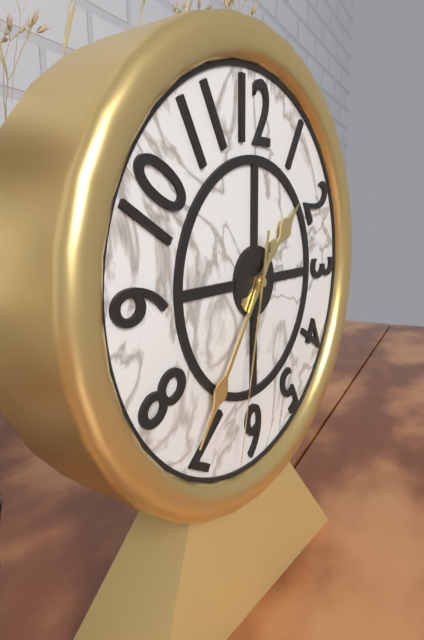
1:36:32
